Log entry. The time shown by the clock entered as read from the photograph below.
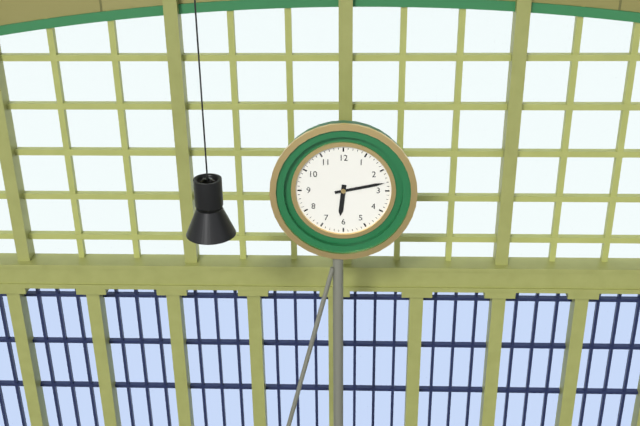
6:13
